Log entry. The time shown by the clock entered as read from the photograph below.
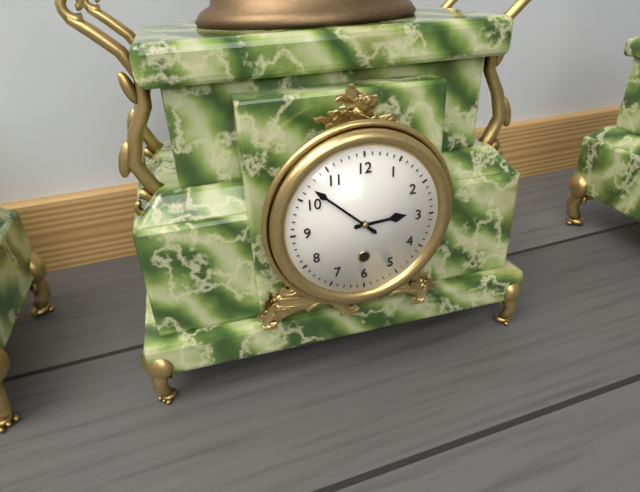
2:52
